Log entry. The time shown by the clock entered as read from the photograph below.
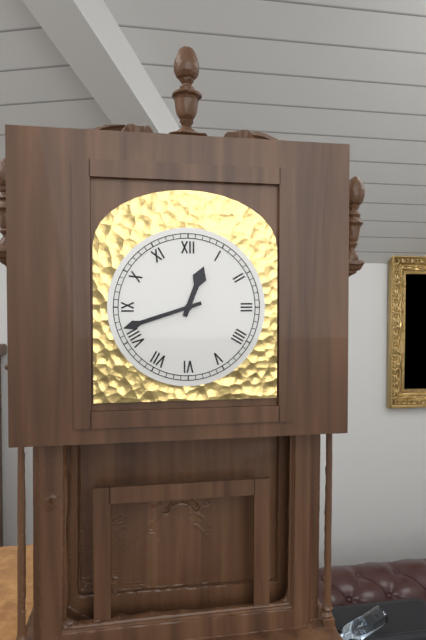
12:42
